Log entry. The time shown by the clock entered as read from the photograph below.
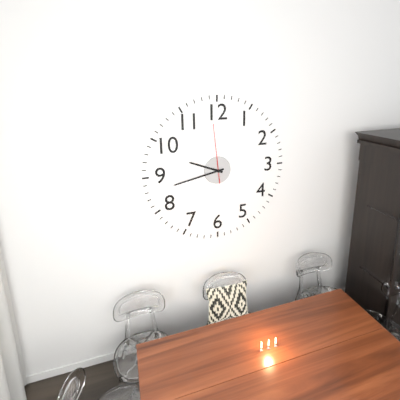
9:43:59
